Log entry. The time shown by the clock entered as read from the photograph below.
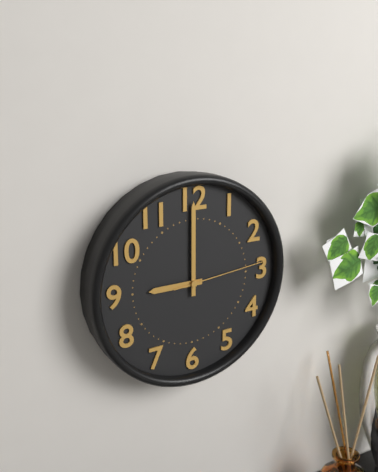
9:00:14
